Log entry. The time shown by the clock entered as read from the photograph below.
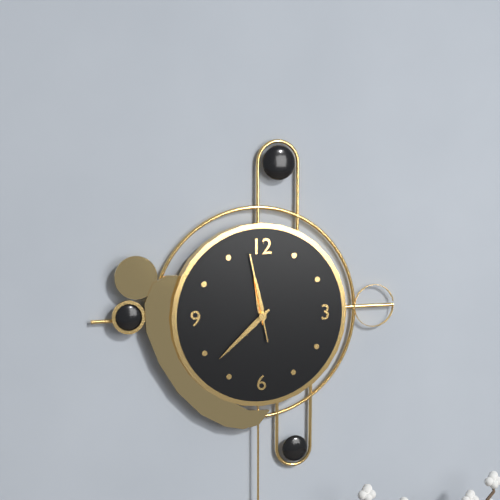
11:38:58
